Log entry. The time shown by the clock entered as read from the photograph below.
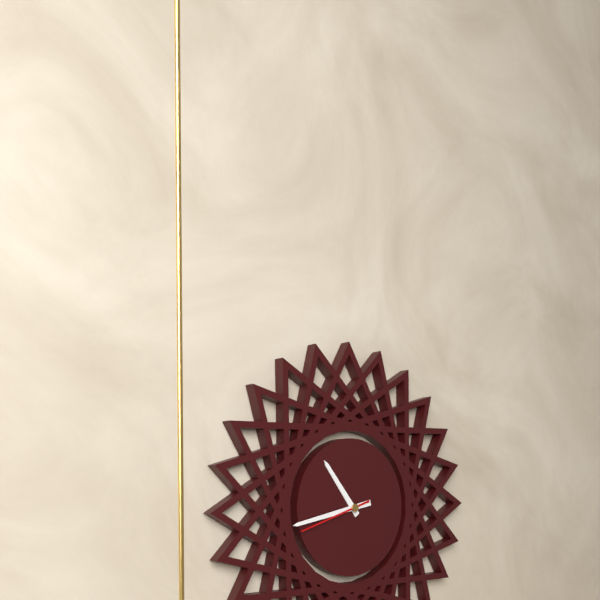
10:43:42
